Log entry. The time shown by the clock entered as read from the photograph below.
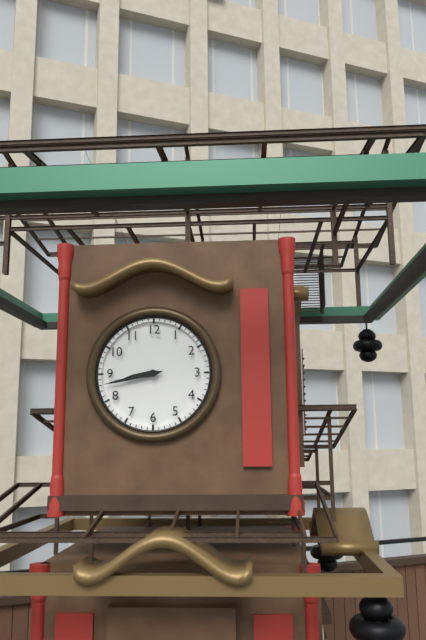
8:43
